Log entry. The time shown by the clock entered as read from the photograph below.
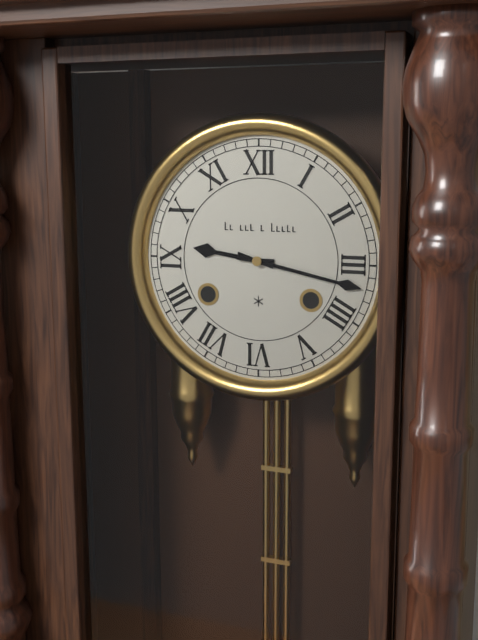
9:17
